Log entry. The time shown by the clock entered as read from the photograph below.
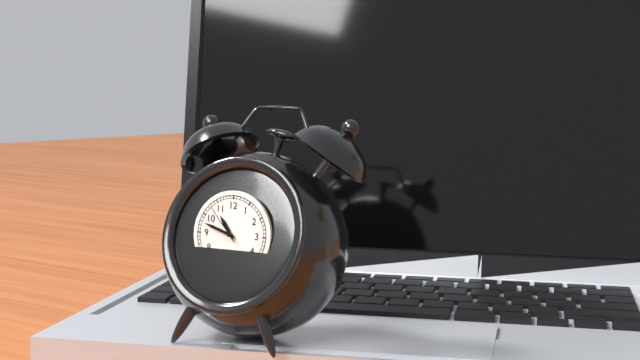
10:48
